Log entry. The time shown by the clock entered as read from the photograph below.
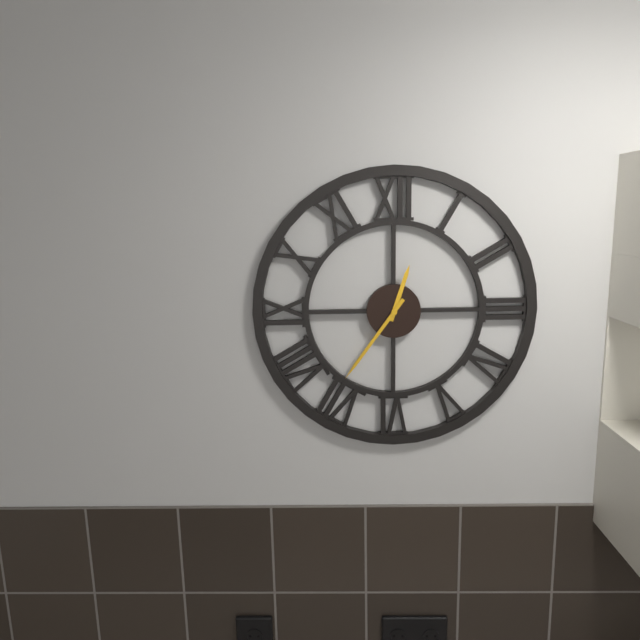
12:36
